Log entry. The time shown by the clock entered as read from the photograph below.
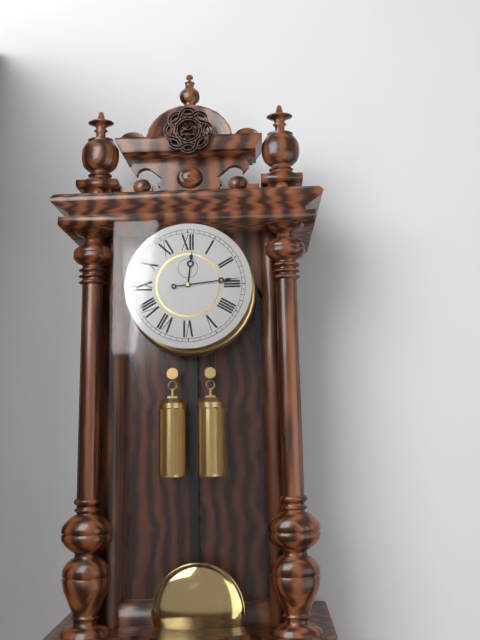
12:14
